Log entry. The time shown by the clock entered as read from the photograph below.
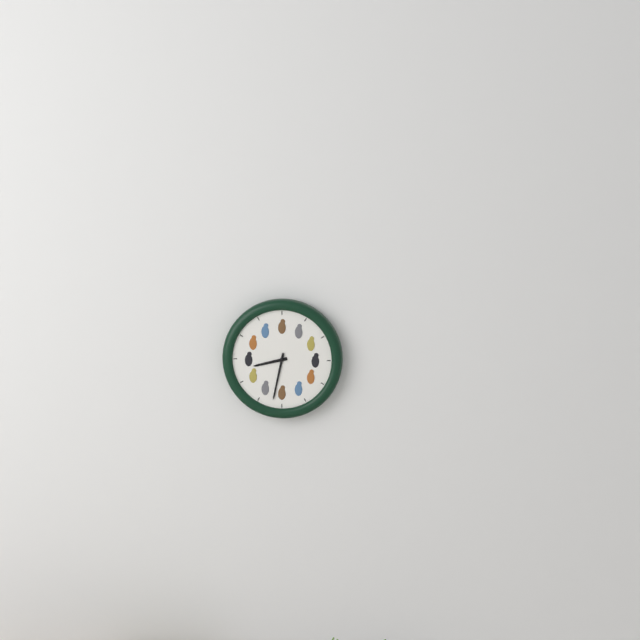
8:32
